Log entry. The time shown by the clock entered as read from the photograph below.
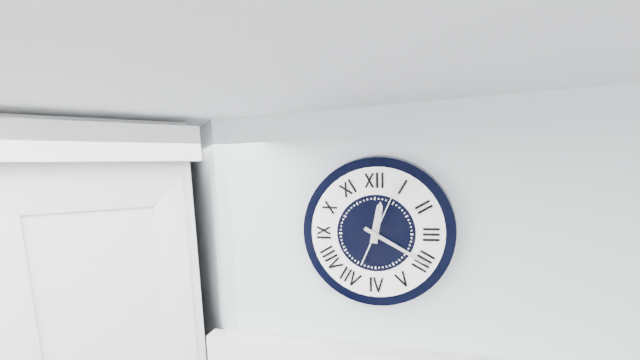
12:20:04
